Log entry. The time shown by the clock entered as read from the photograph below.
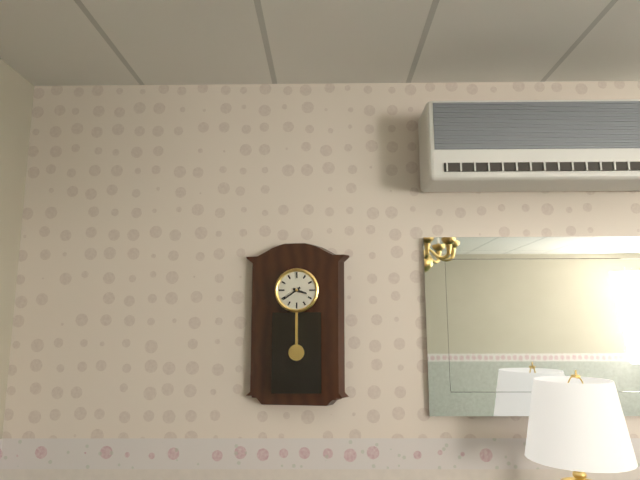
3:39
